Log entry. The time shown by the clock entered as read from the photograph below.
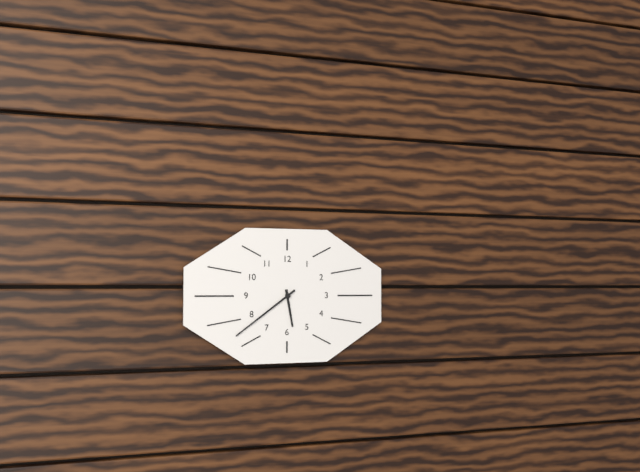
5:39
